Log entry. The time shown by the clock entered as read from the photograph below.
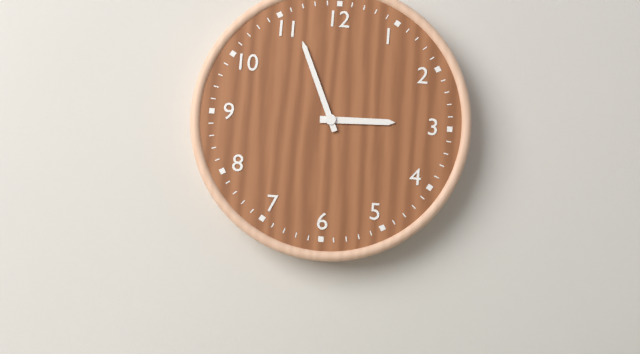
2:56
